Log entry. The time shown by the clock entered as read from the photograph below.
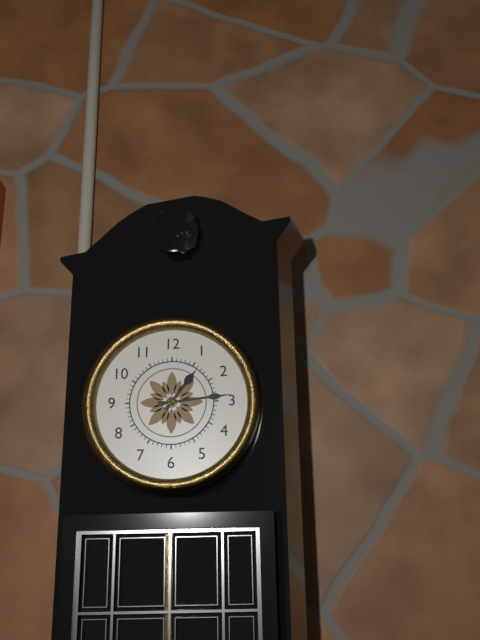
1:14
